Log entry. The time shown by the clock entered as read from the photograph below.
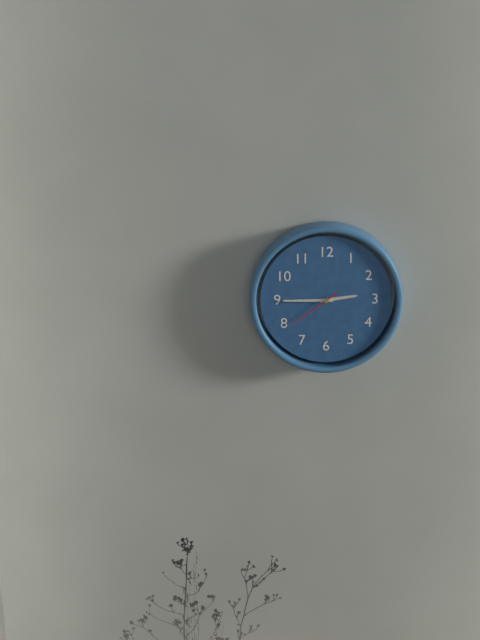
2:45:39
